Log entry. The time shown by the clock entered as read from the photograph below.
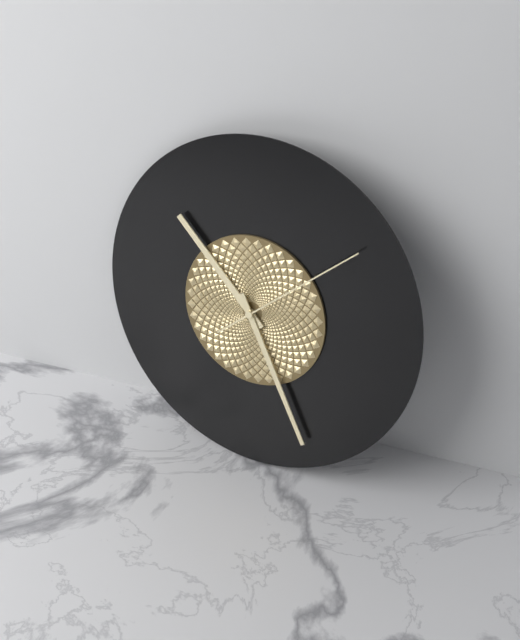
10:25:08
